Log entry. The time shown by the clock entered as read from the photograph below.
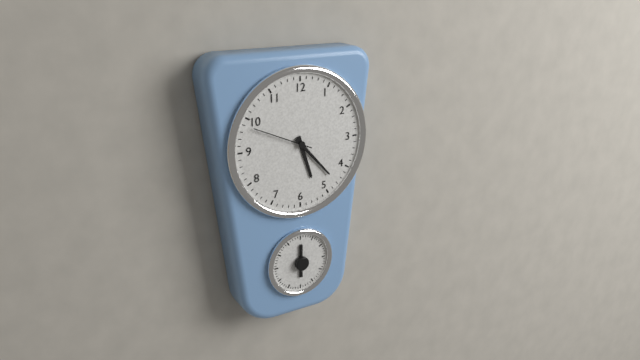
5:23:49
